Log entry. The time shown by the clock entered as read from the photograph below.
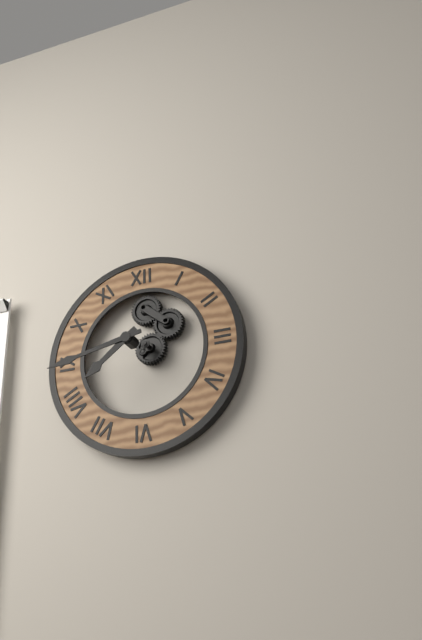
7:43
